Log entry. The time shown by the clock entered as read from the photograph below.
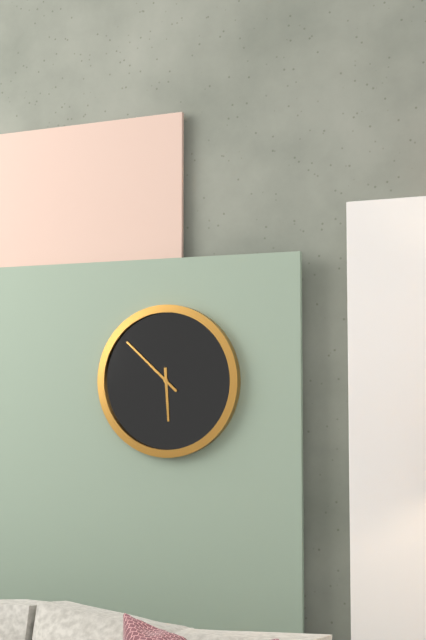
5:52
